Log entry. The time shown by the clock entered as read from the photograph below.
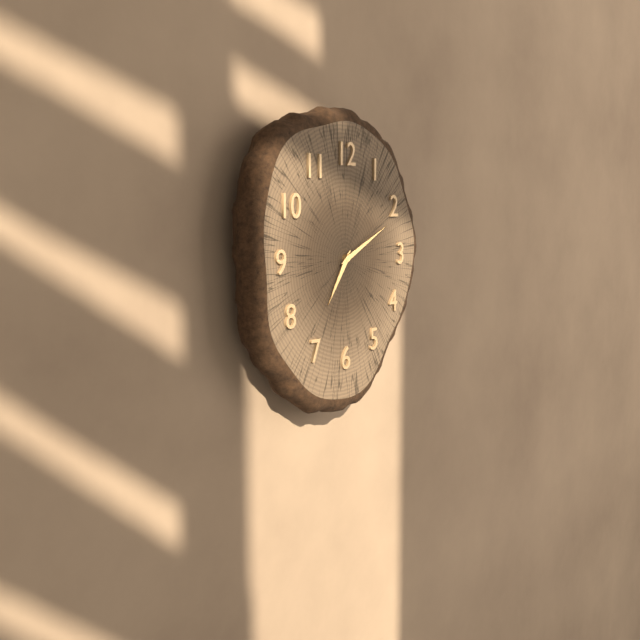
7:11
